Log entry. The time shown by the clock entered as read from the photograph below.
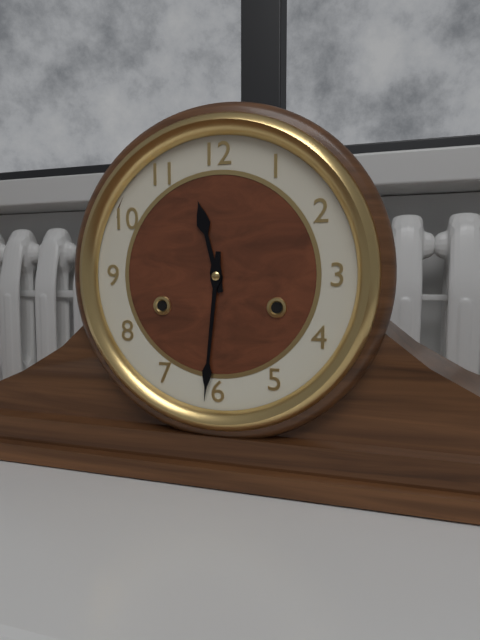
11:31
